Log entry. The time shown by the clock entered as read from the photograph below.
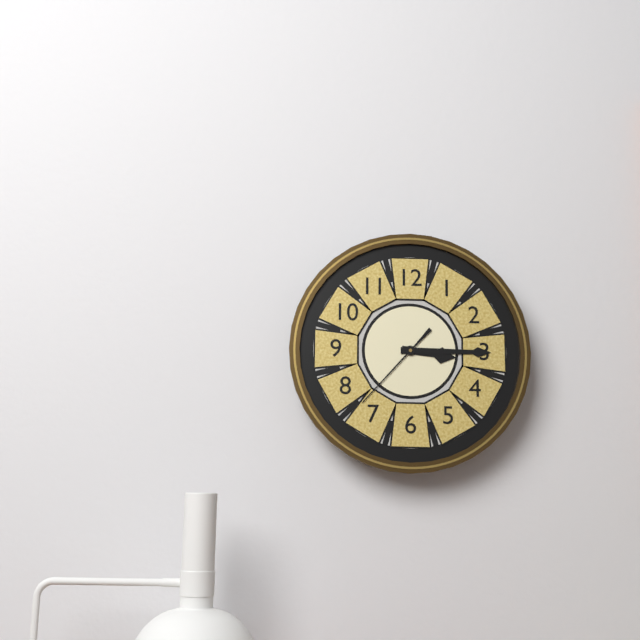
3:15:37
